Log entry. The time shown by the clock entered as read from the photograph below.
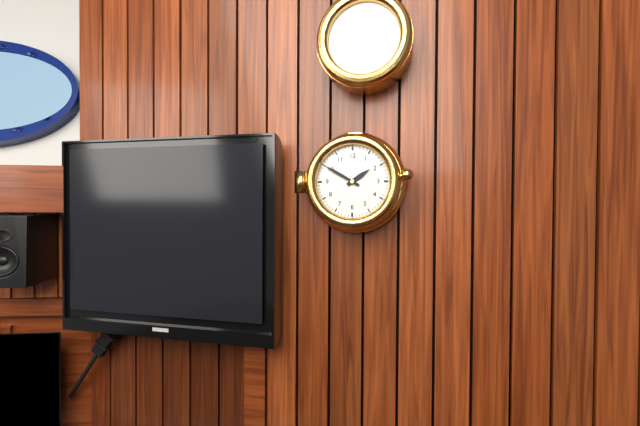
1:50
